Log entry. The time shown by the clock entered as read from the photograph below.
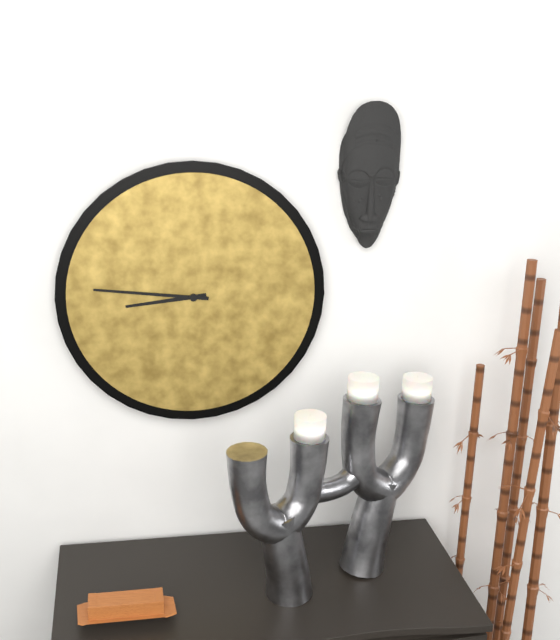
8:46
